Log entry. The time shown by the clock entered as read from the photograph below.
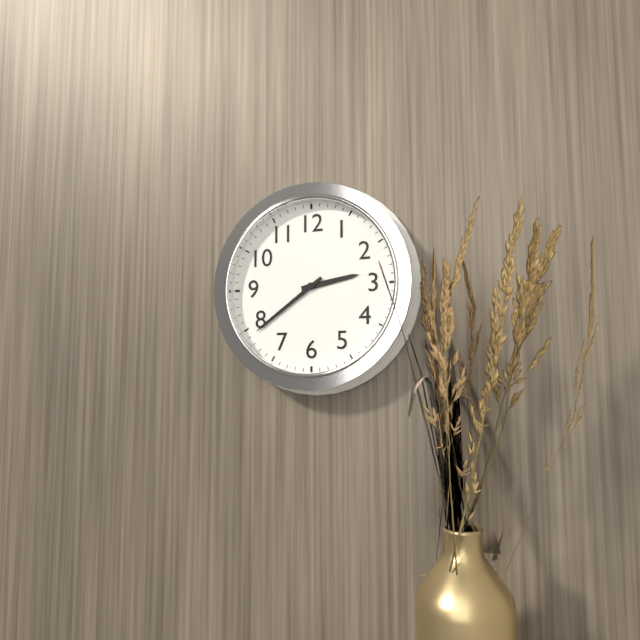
2:39
